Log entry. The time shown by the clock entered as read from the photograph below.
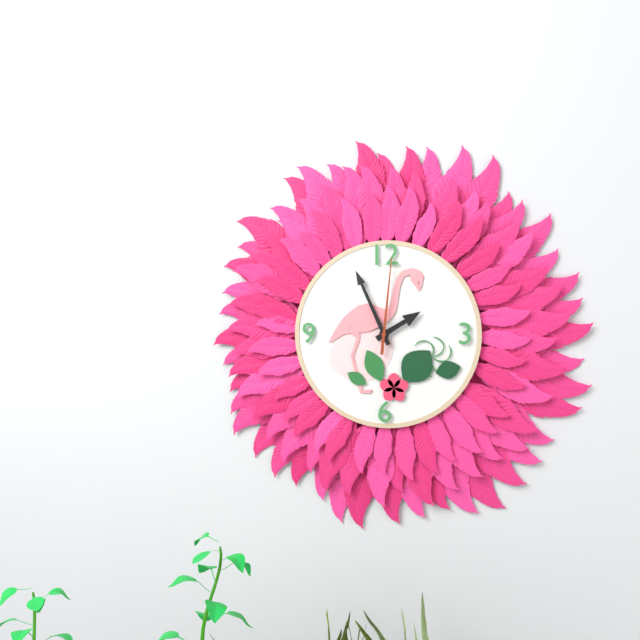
1:56:01
